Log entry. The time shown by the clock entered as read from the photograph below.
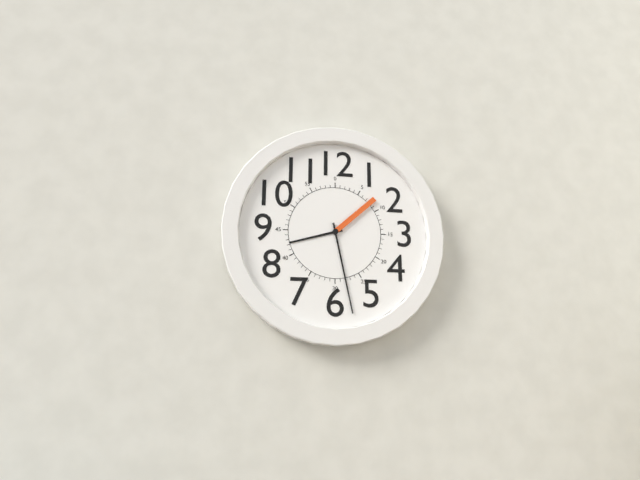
8:28:08
